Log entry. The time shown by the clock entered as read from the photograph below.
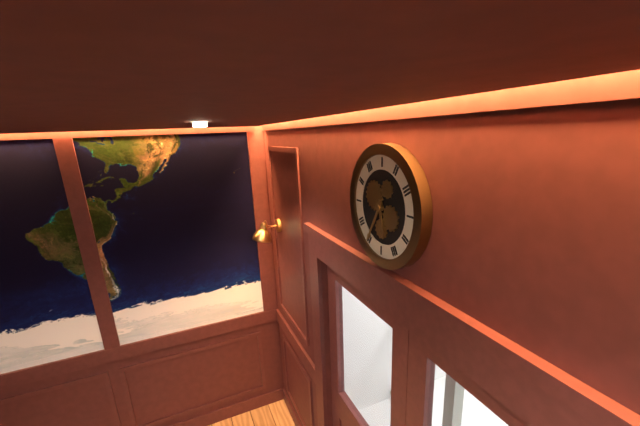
5:35
